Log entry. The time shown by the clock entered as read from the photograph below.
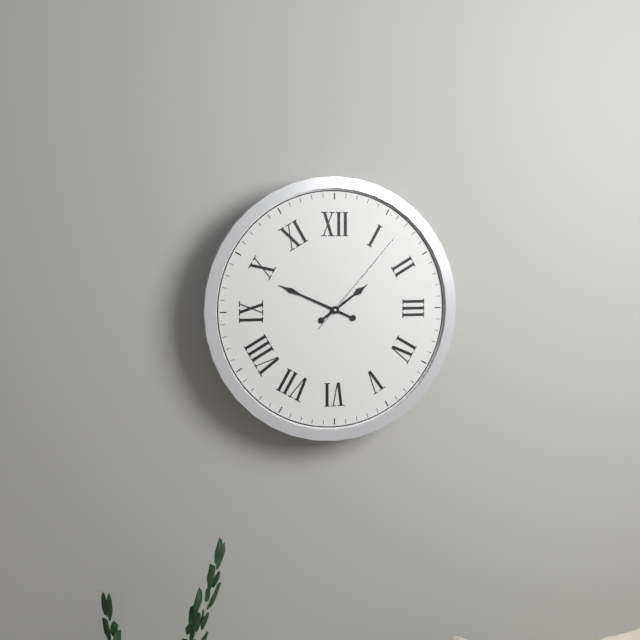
1:49:07
